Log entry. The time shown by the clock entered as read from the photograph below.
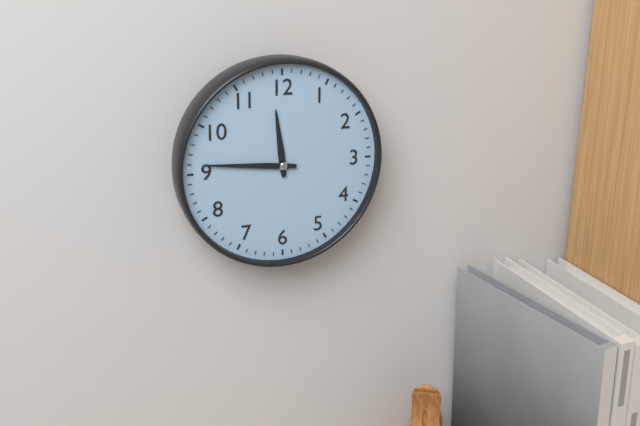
11:46
